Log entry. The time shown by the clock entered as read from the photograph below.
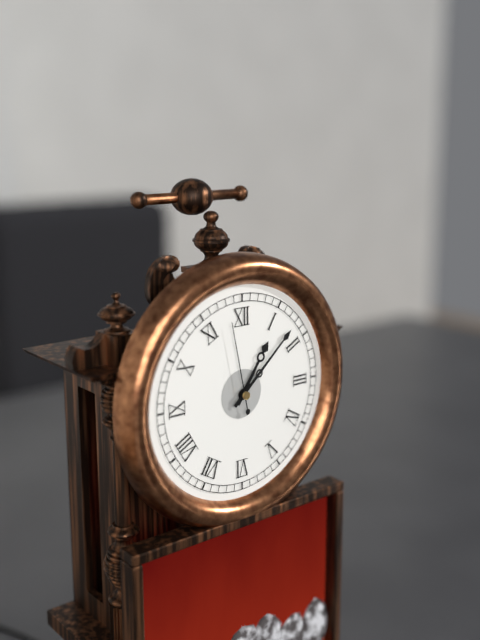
1:08:58
